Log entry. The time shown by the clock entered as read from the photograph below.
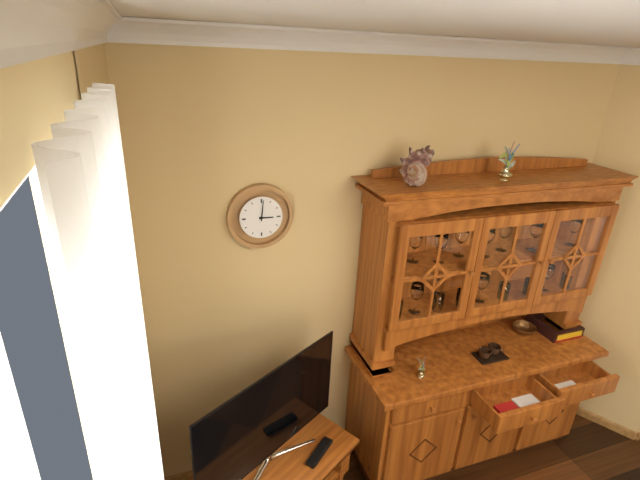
3:01
